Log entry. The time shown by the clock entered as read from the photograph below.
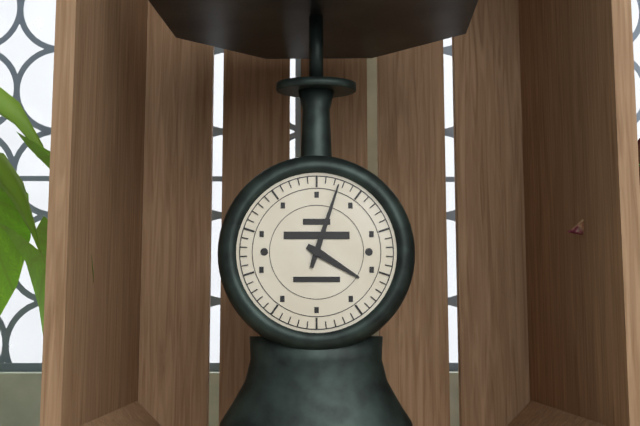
4:03
